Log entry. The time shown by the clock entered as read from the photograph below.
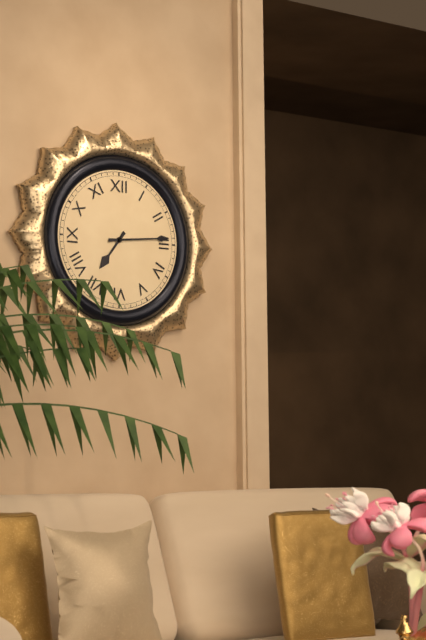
7:14
